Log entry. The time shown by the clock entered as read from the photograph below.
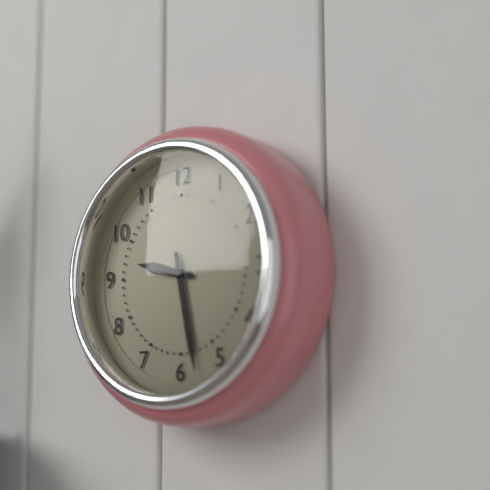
9:28
